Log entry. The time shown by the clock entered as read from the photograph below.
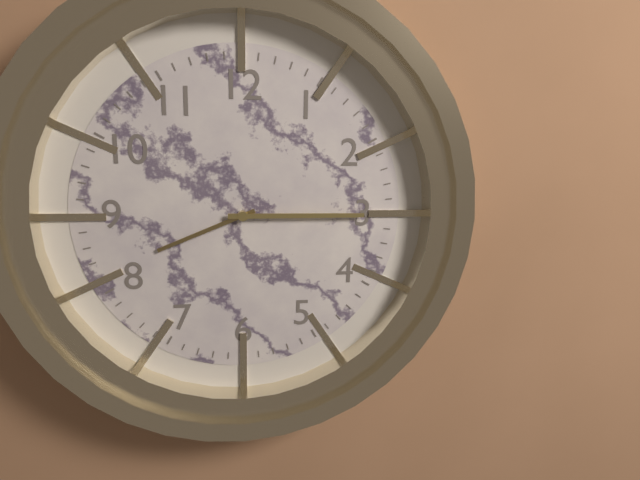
8:15
